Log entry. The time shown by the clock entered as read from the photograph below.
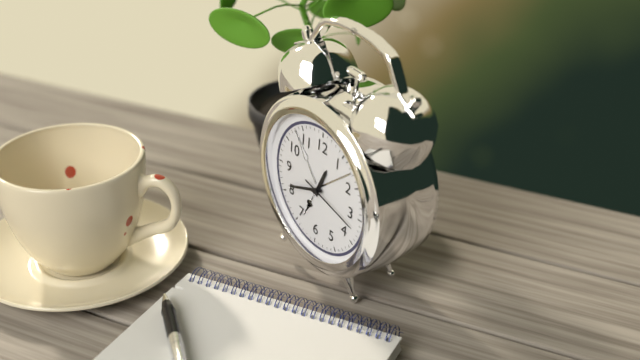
12:41:17
